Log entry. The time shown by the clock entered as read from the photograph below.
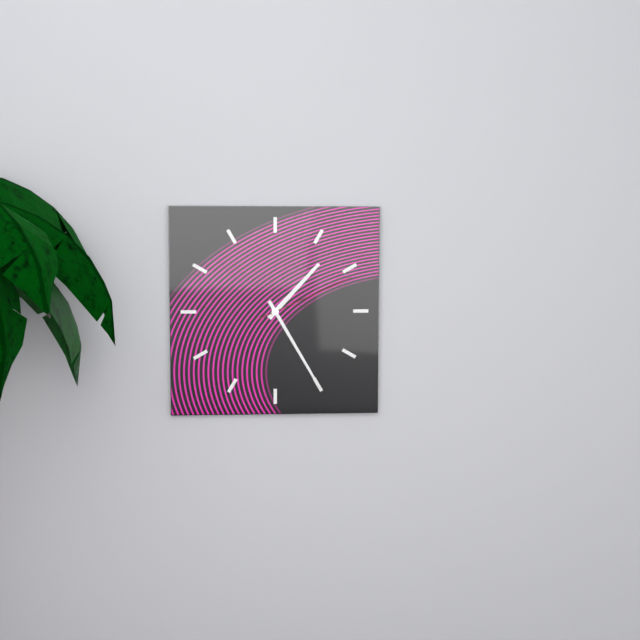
1:25:11
